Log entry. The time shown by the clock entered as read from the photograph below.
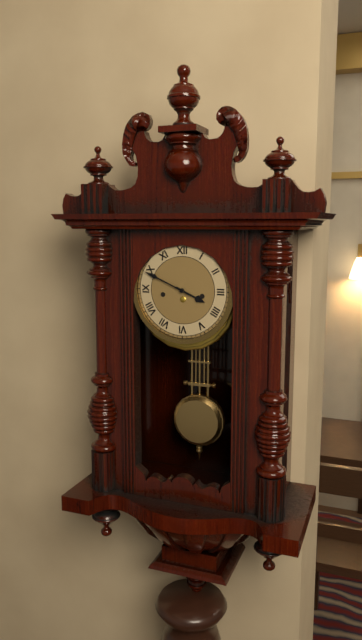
3:49
